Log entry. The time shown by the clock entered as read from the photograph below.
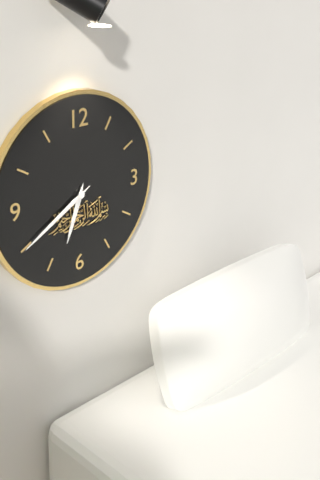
6:40
